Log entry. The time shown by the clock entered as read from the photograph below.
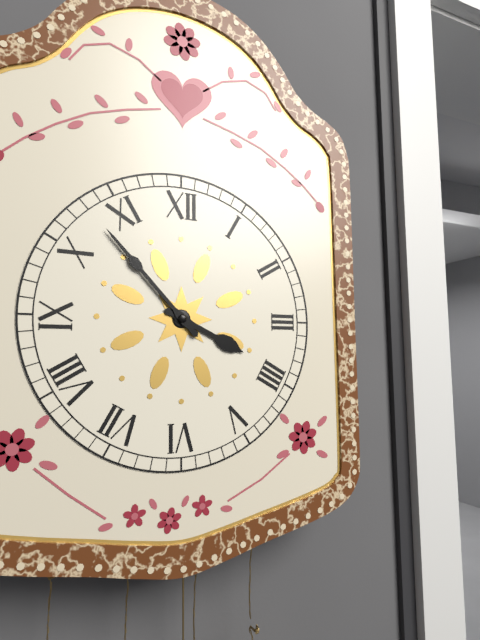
3:53
